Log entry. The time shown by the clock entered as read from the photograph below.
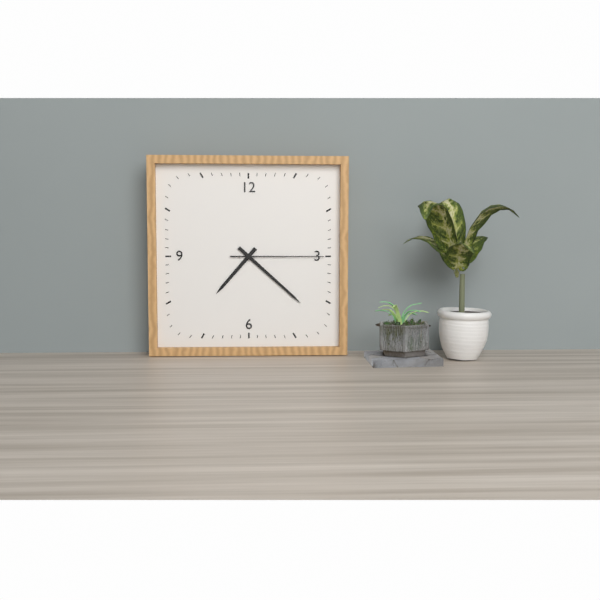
7:22:15
